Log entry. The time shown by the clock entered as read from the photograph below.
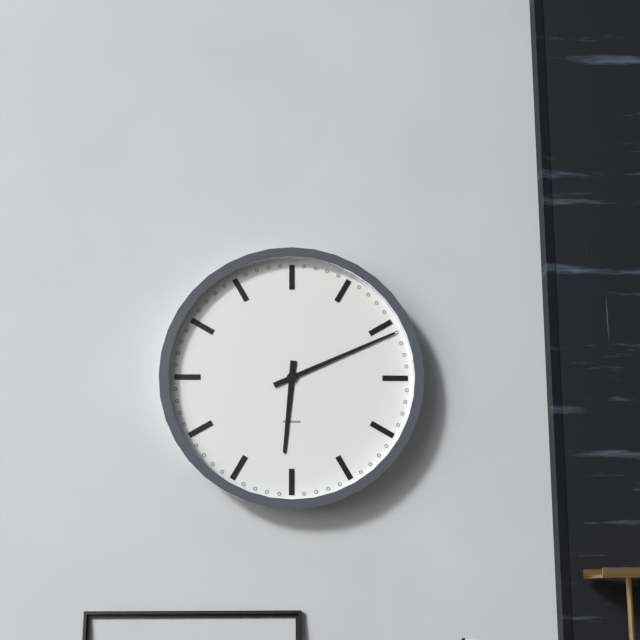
6:11
